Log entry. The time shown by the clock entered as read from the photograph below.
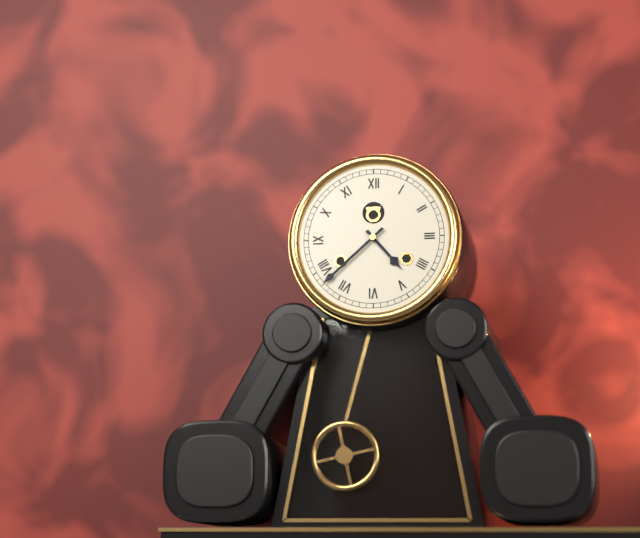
4:38
